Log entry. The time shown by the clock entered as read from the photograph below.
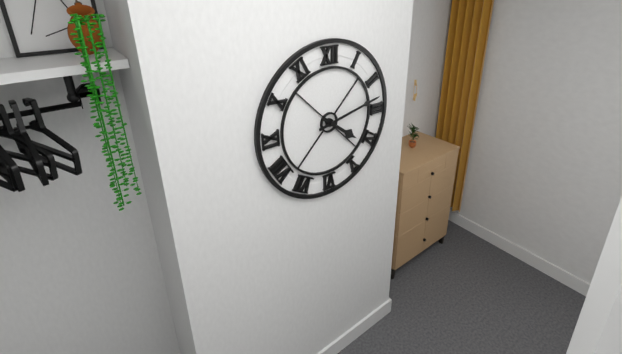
4:13
